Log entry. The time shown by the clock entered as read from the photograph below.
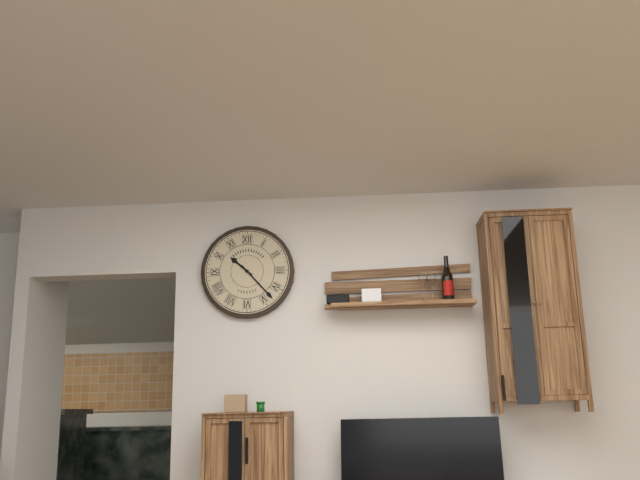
10:23
